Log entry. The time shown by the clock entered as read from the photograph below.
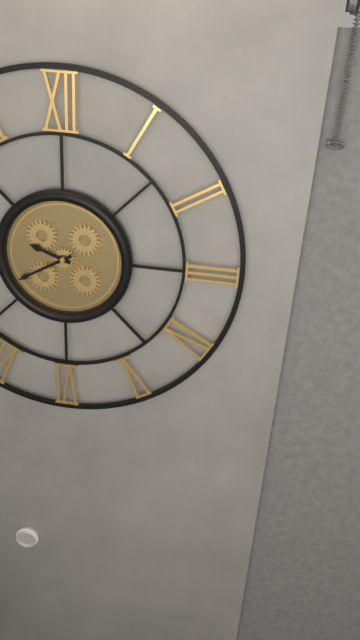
9:40
